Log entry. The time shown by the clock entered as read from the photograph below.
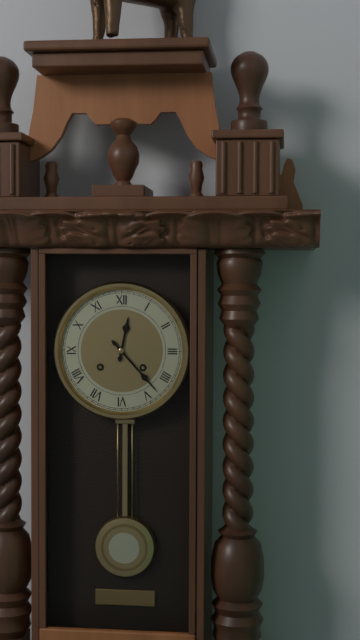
12:23
